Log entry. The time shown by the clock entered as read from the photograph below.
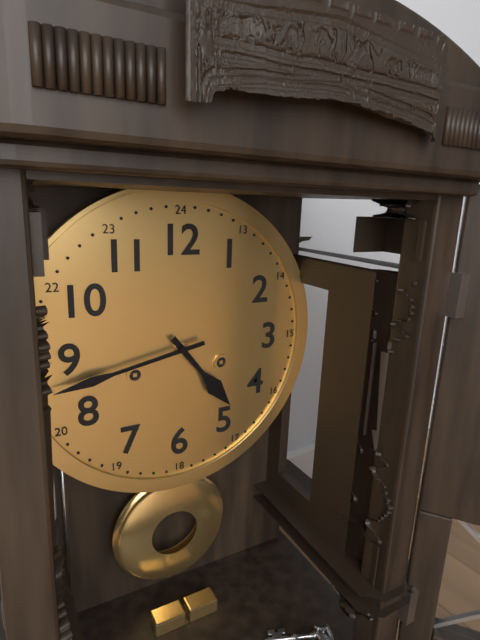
4:43
